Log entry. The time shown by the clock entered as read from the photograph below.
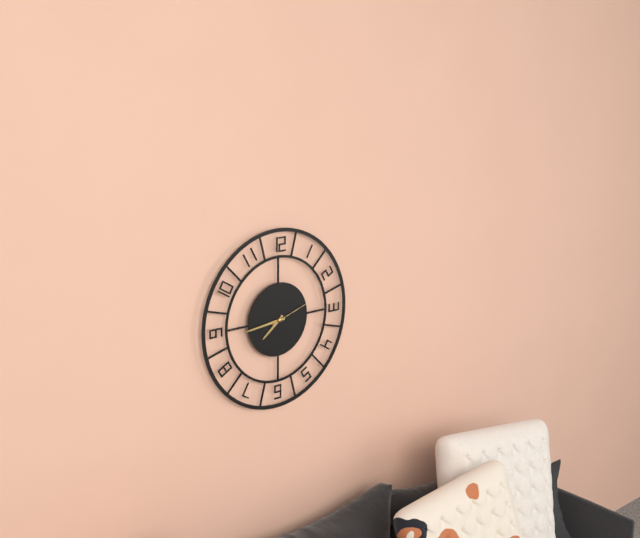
7:44
